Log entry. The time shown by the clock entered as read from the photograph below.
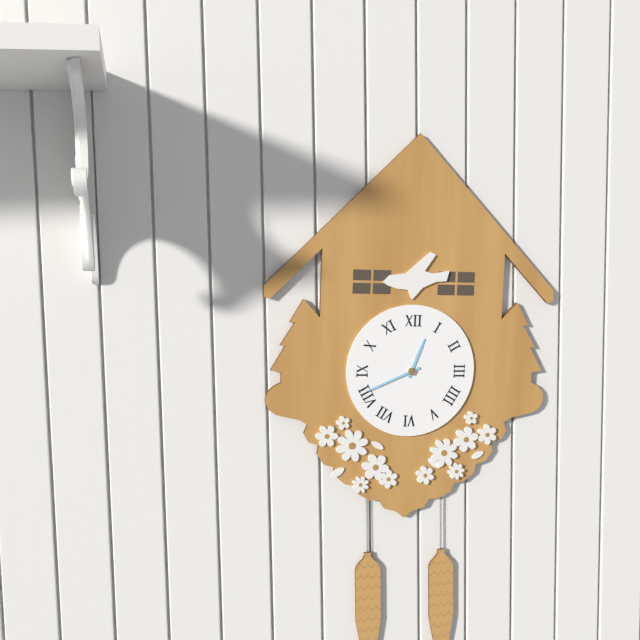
12:41
